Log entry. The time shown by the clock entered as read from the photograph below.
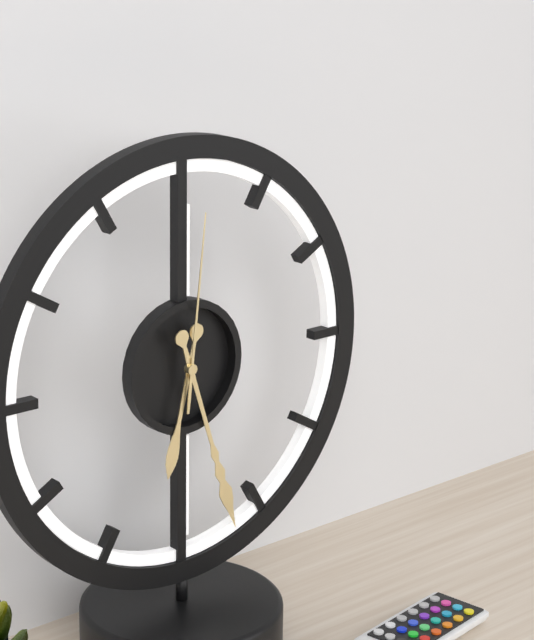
6:27:01
